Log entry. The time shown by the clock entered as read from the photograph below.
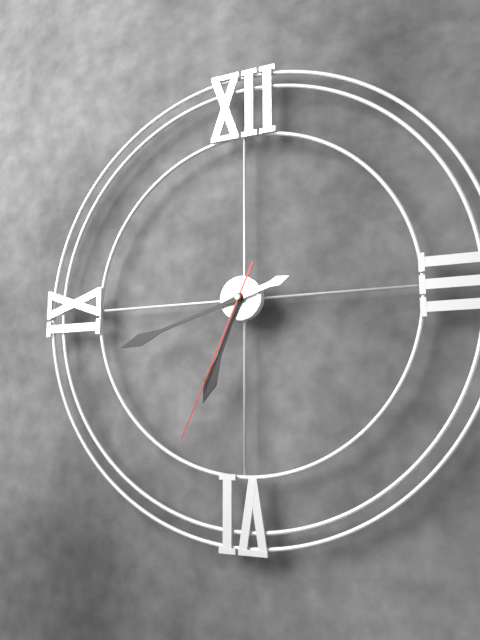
6:42:34
